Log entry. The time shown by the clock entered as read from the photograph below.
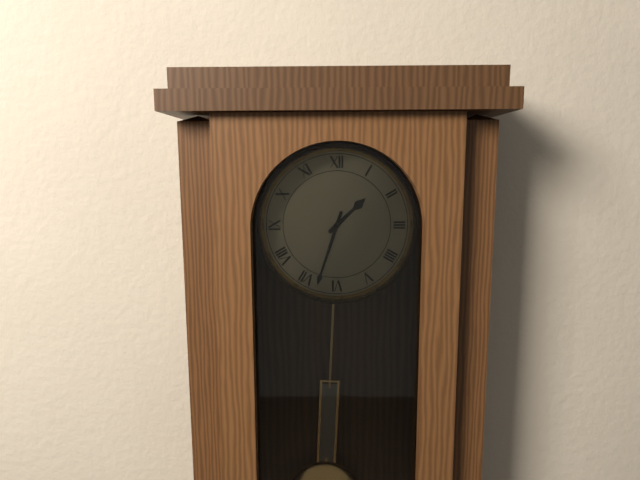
1:33
